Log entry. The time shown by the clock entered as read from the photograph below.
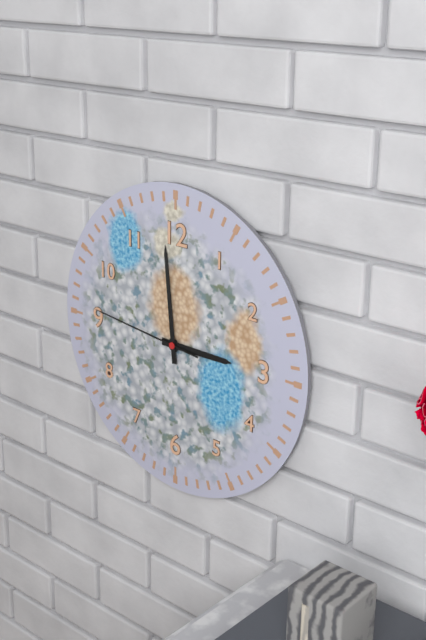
2:59:46
